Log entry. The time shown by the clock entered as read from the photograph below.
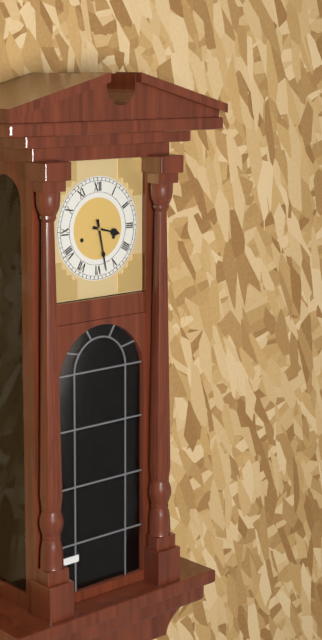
3:28
